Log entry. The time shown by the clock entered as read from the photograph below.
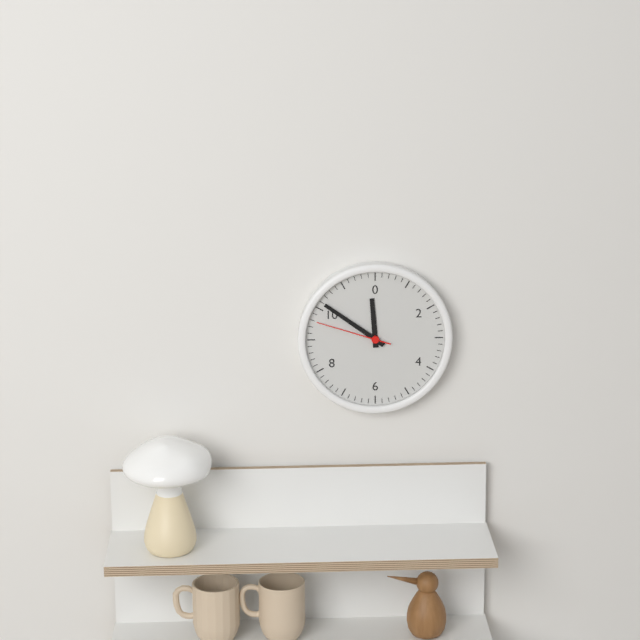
11:51:48
